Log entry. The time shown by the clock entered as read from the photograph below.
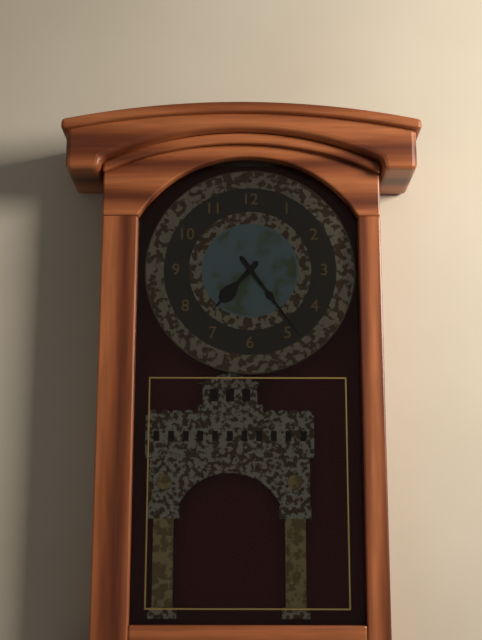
7:24
